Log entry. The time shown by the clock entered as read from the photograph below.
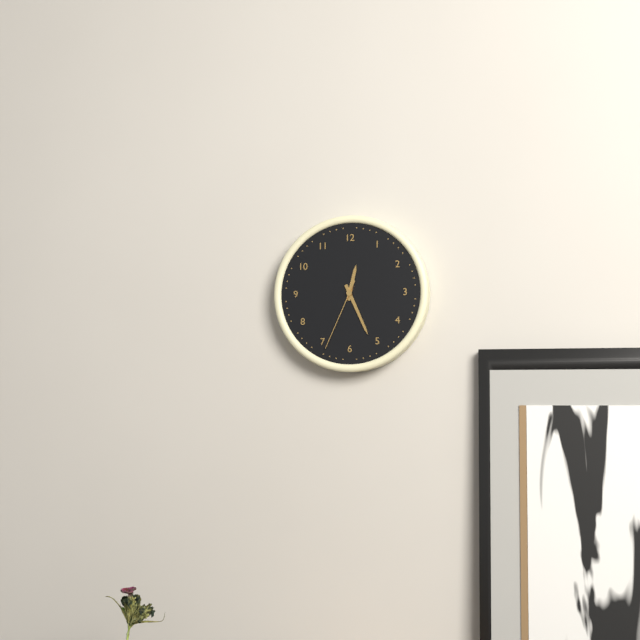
12:26:34
